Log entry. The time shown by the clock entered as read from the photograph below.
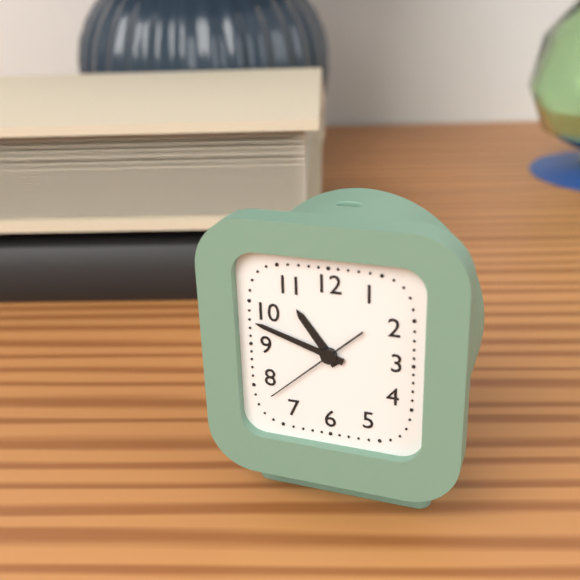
10:48:38
